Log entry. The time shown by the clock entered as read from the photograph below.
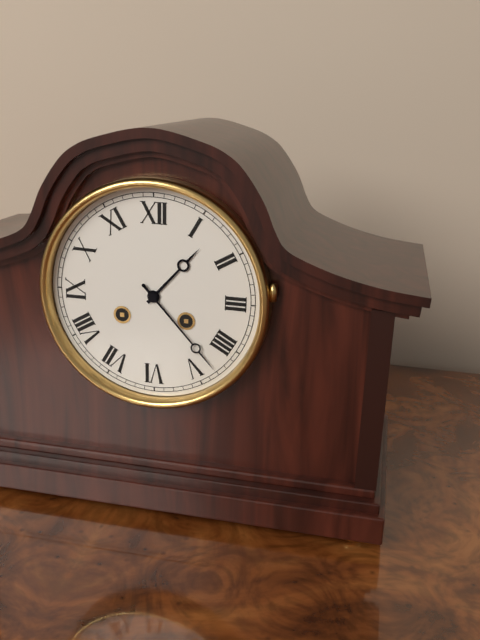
1:23
